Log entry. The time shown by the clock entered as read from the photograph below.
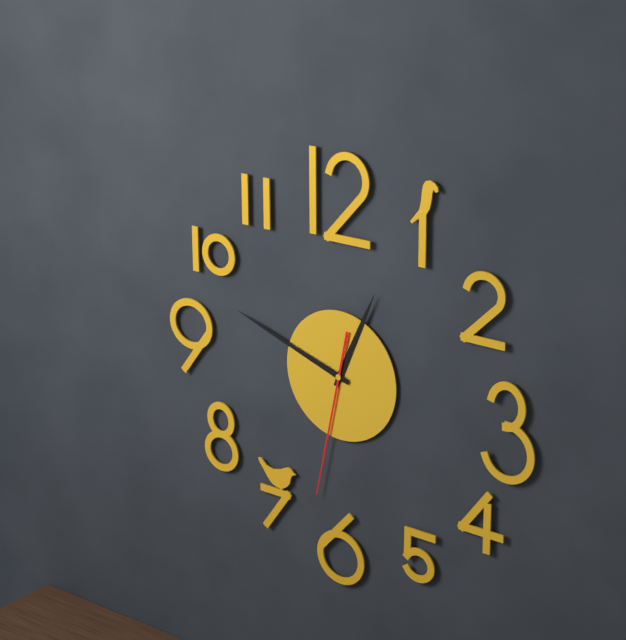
12:48:32
